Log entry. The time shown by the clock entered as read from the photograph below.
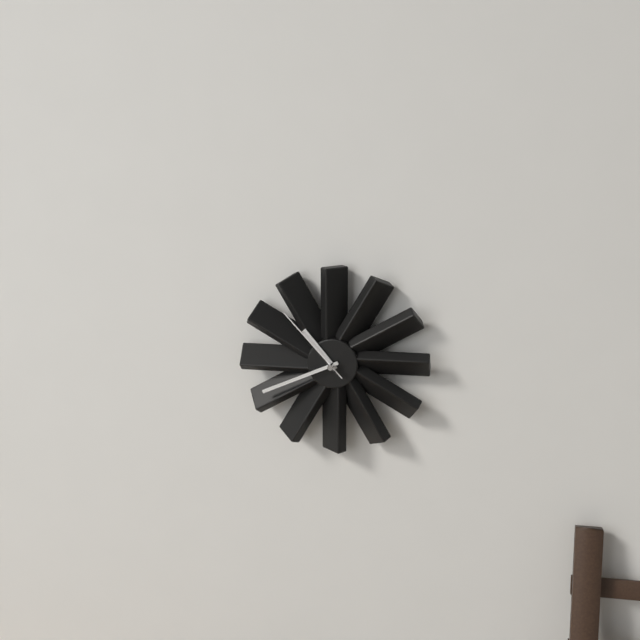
10:41:53
